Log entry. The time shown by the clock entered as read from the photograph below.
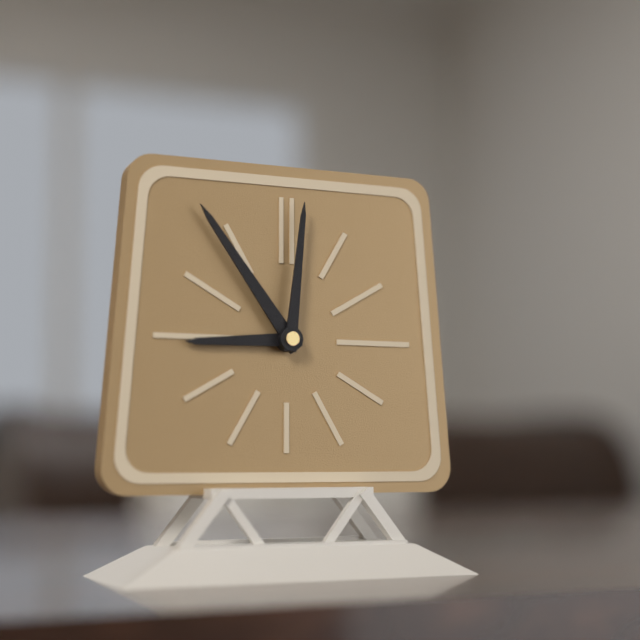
8:54:01
